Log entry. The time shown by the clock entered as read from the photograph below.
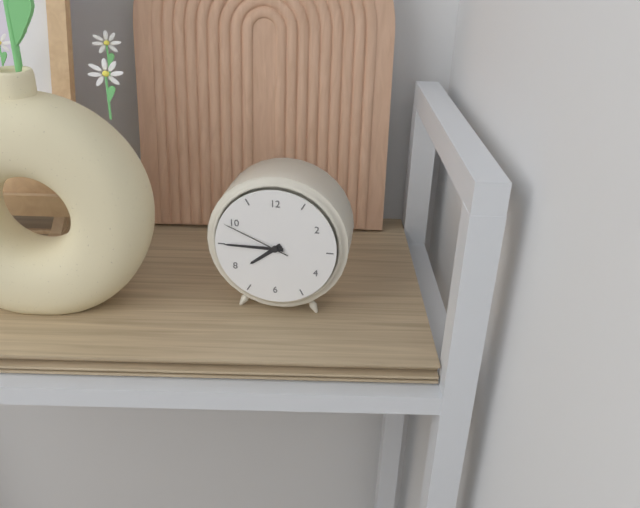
7:45:49
